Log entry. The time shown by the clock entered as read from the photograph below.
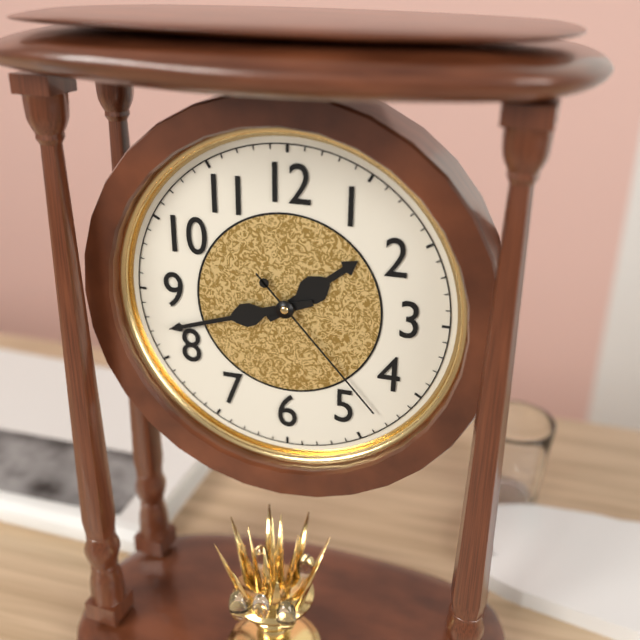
1:42:23
